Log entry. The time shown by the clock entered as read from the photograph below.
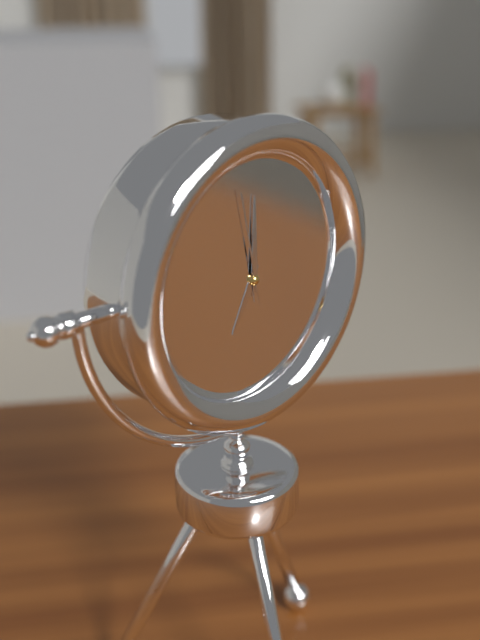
7:00:58
